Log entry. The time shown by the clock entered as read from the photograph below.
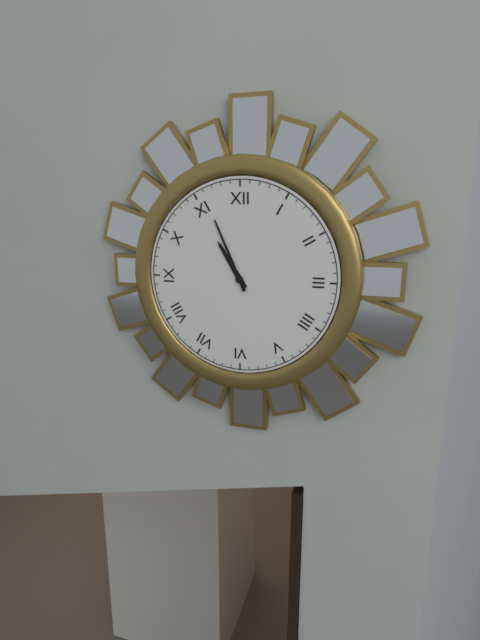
10:56
